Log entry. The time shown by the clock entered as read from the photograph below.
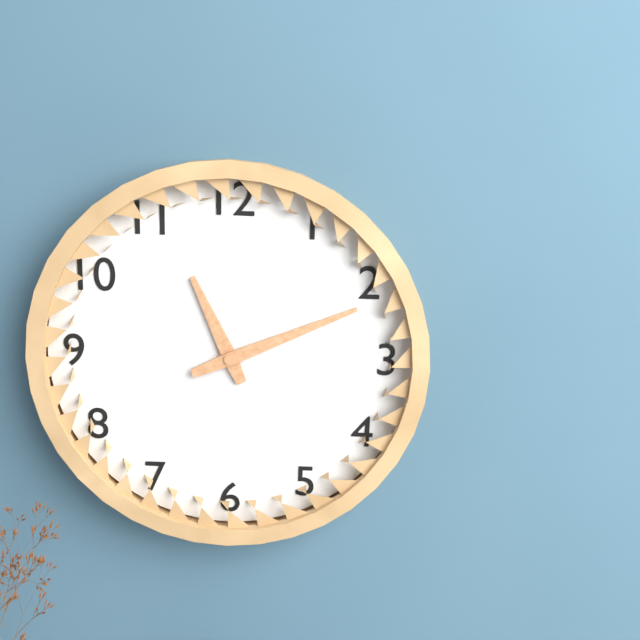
11:11
